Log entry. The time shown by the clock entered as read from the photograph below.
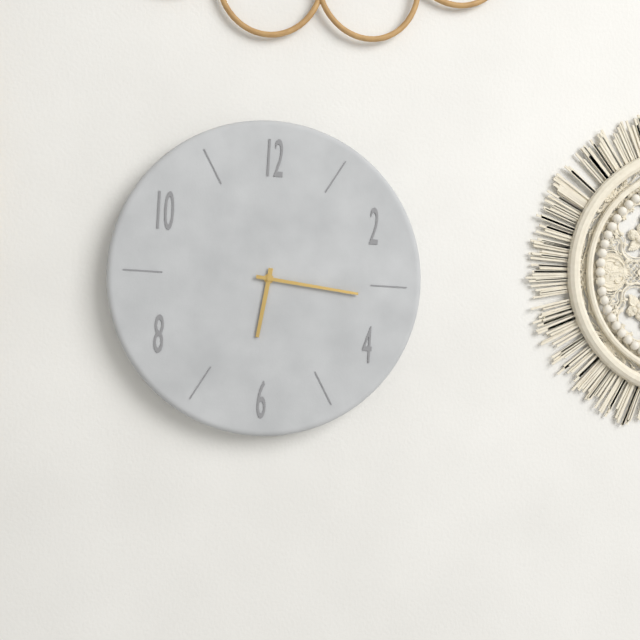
6:16
